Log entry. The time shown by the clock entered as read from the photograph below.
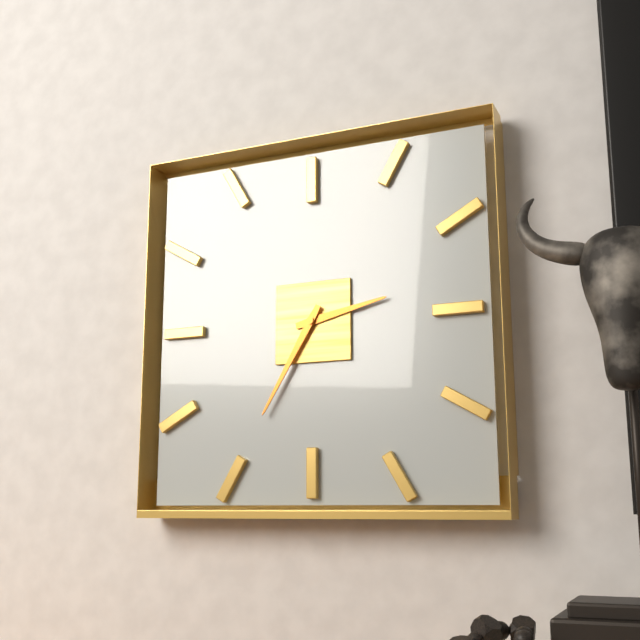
2:35
